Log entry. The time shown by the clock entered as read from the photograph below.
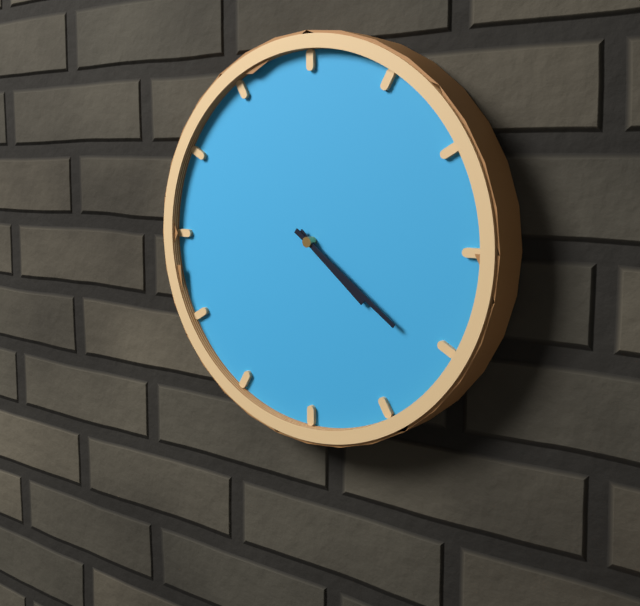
4:21
